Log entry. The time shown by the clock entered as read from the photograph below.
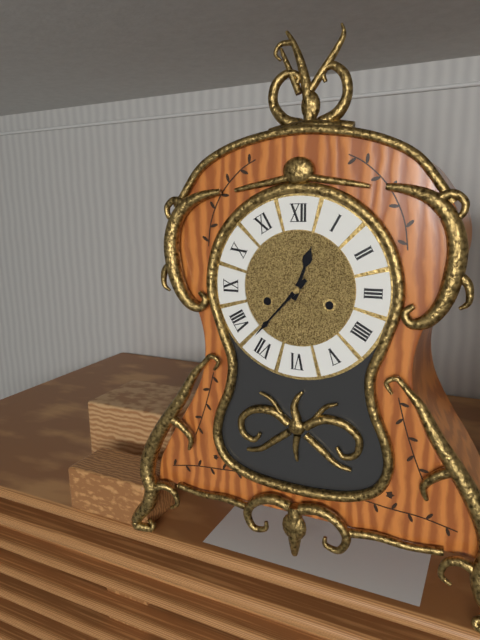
12:37
